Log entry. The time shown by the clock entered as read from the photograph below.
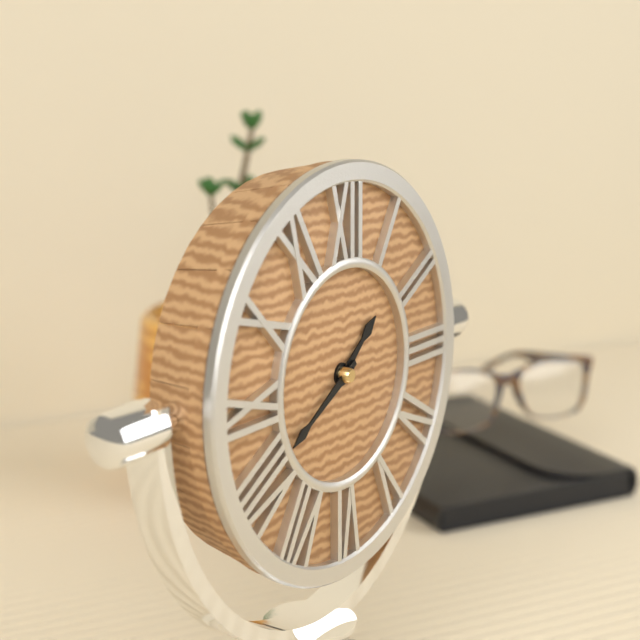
1:40
